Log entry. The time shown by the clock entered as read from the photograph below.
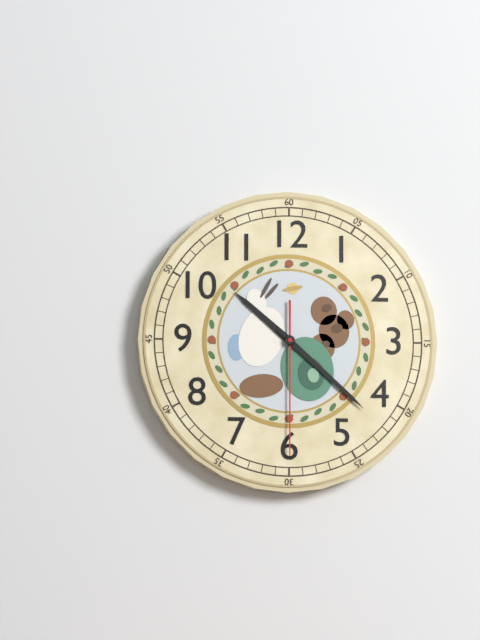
10:22:30
